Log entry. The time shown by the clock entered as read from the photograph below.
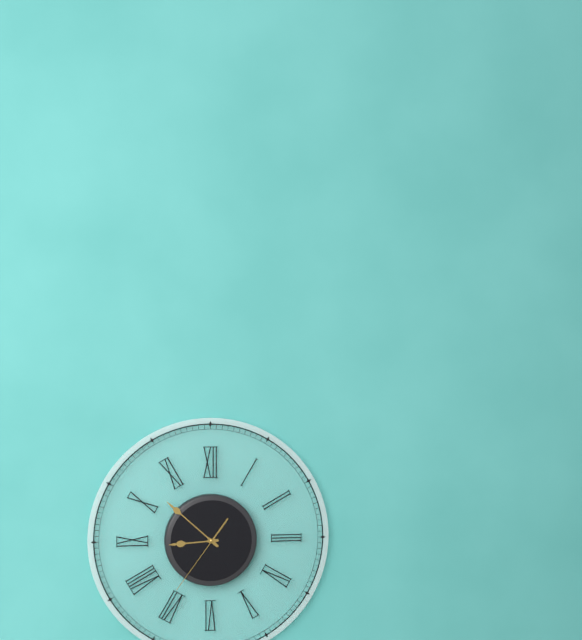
8:52:36
